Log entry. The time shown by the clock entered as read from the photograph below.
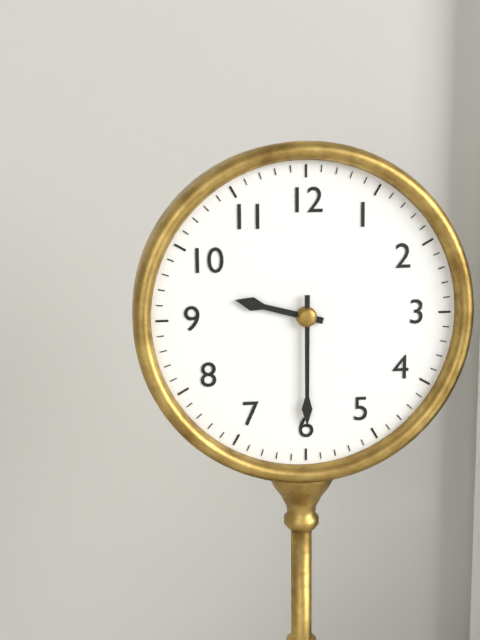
9:30
